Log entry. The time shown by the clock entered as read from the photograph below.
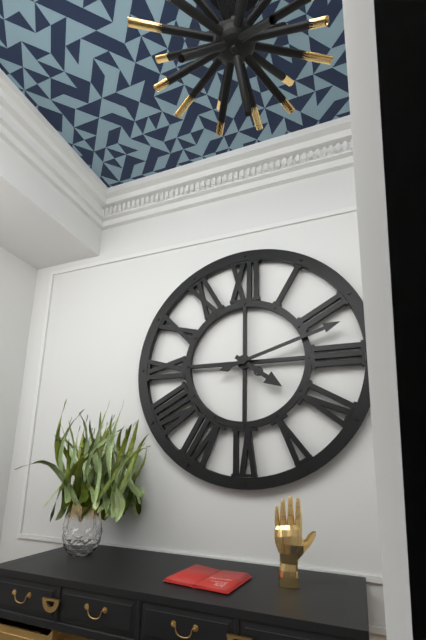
4:12
